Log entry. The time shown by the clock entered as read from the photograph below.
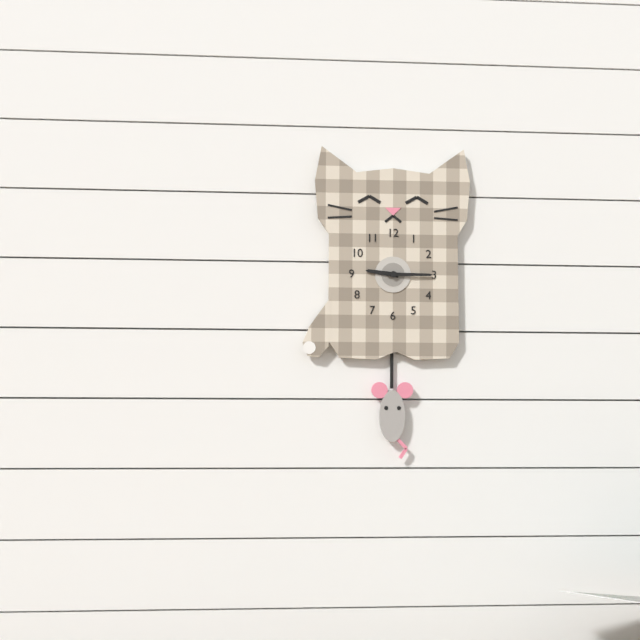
9:15
